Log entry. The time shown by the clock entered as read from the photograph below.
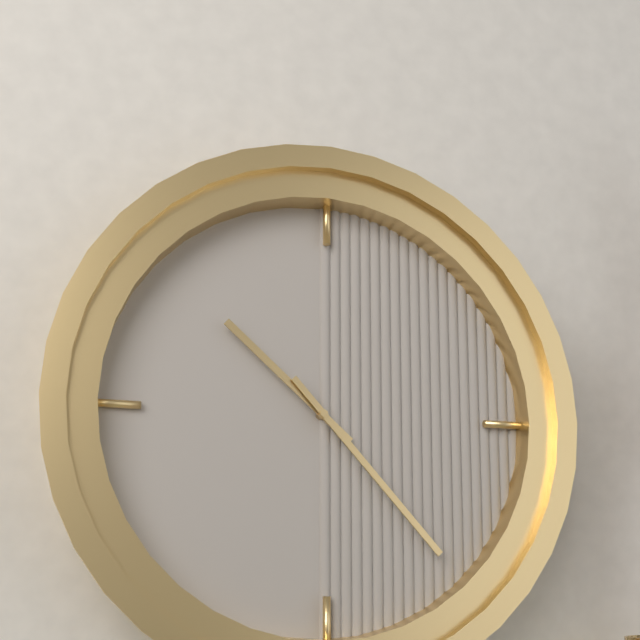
10:23
